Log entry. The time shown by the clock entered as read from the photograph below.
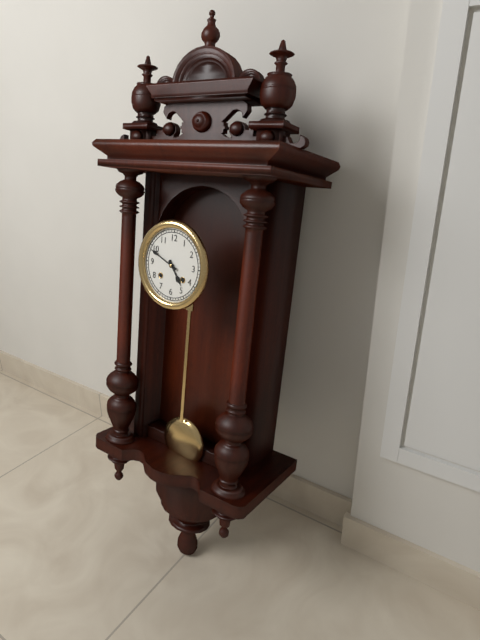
4:49
